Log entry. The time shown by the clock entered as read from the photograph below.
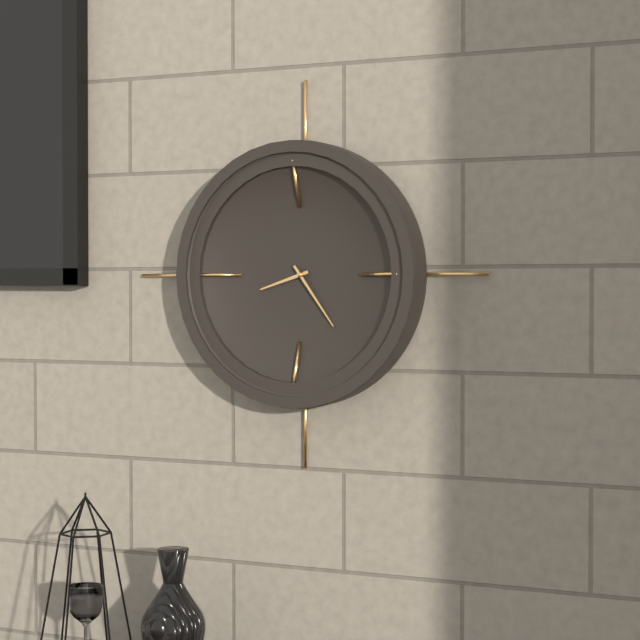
8:24
